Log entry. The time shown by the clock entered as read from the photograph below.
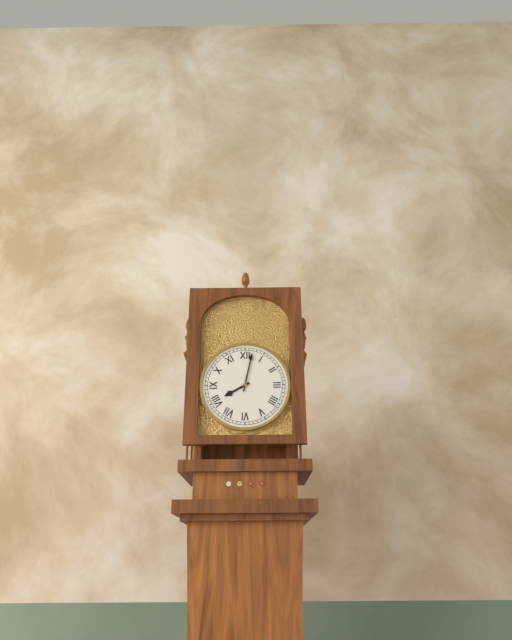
8:02
